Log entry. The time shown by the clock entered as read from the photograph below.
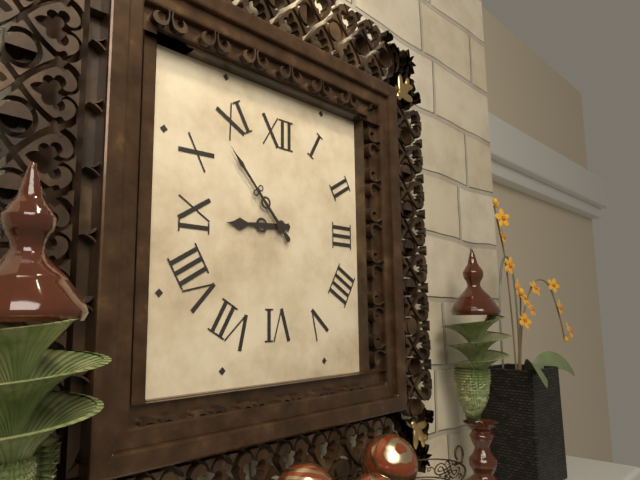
8:53
